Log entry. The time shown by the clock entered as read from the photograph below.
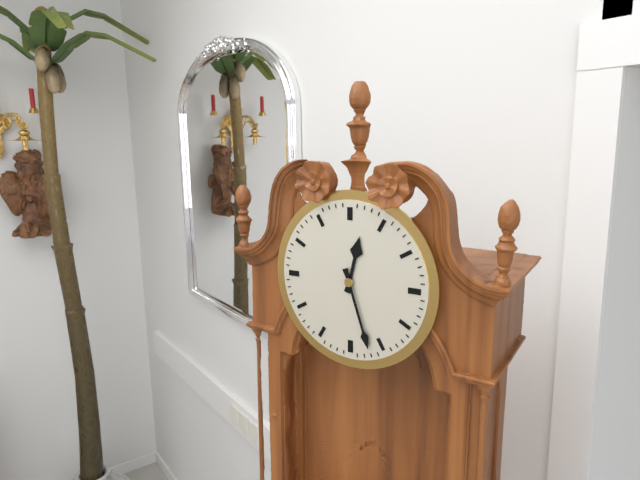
12:27
